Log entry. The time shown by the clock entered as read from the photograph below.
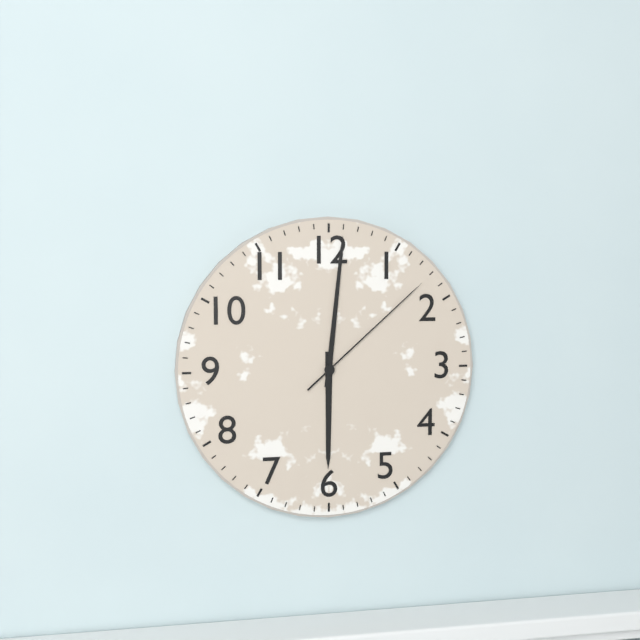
6:01:08
